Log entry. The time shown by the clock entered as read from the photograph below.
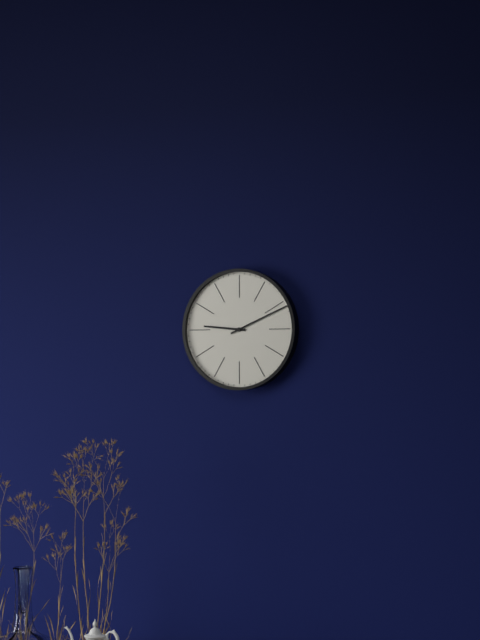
9:11
